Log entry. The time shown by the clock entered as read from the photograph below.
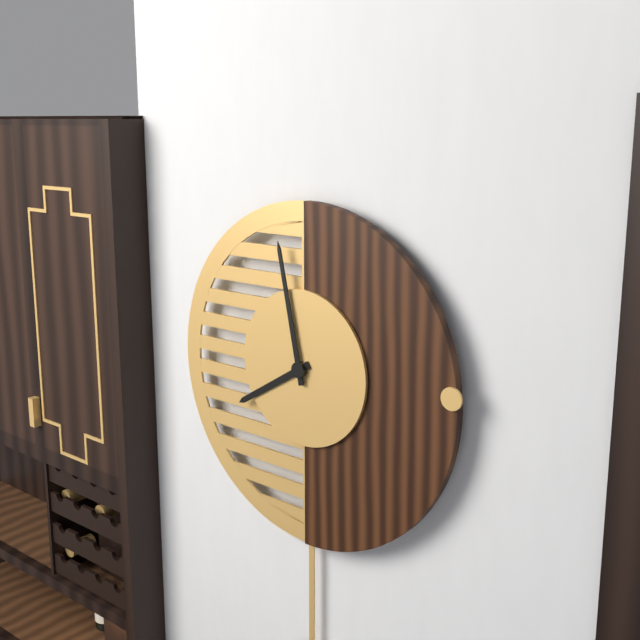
7:58
